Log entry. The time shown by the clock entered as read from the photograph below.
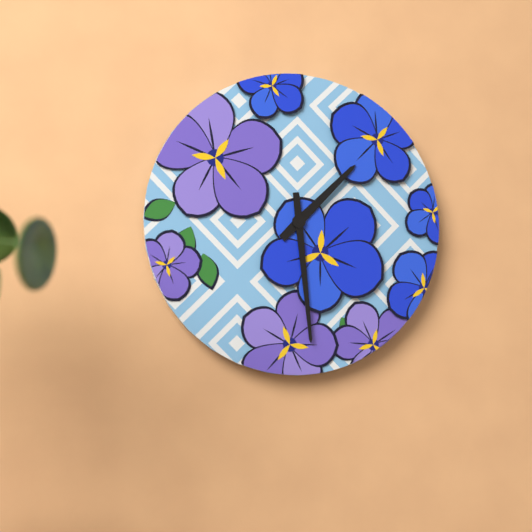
1:29
